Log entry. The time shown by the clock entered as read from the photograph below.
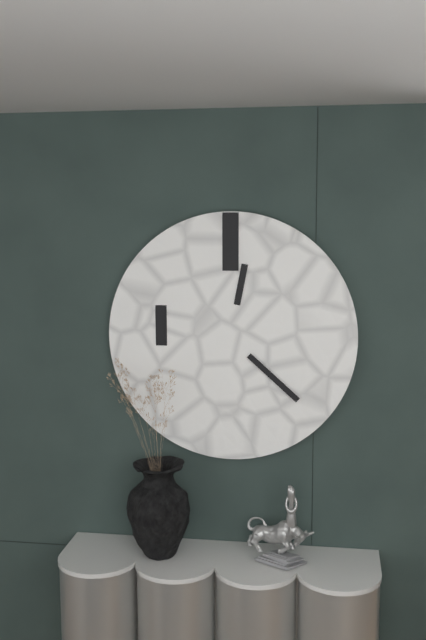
12:22
